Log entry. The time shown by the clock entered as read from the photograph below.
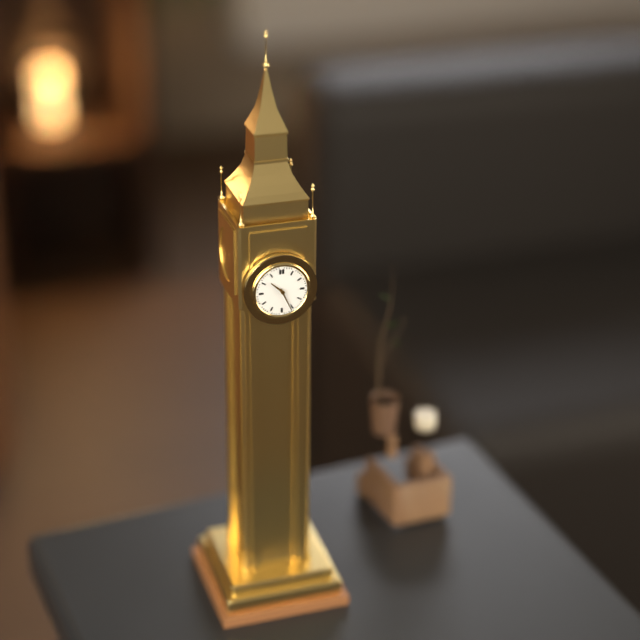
10:26
